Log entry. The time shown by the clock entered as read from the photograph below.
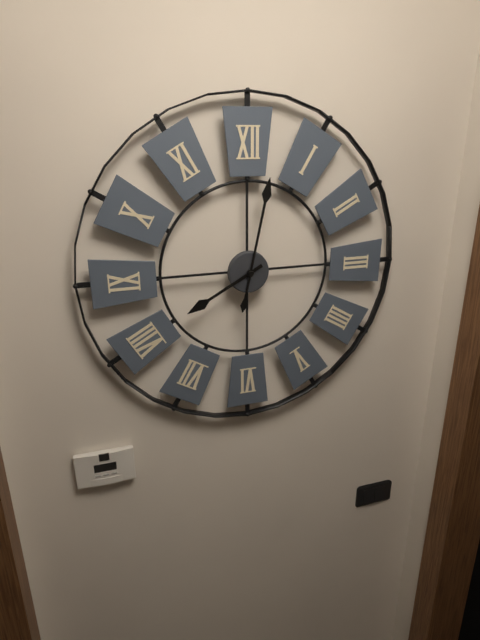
8:02
